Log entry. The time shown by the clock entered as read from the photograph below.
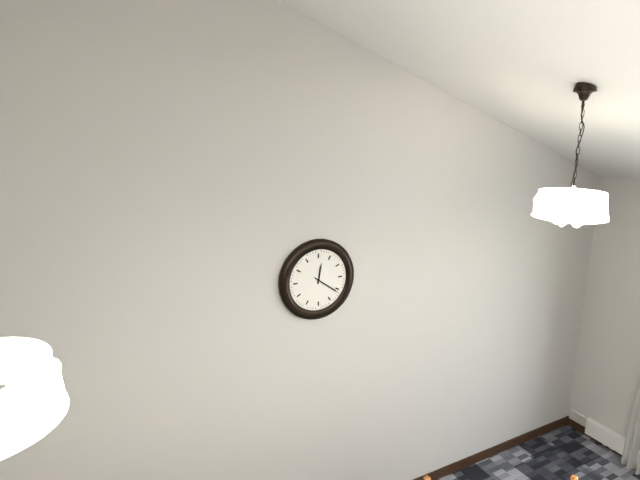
12:21
